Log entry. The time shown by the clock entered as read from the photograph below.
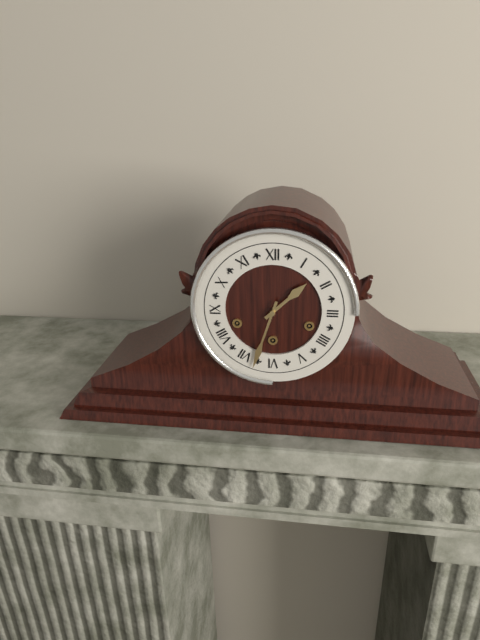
1:33
